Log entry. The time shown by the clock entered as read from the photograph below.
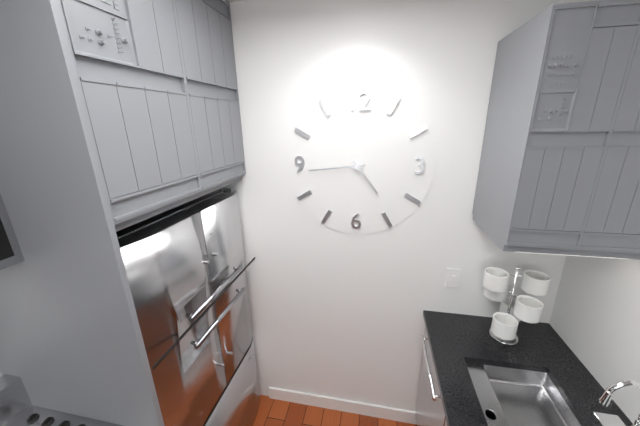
4:44
